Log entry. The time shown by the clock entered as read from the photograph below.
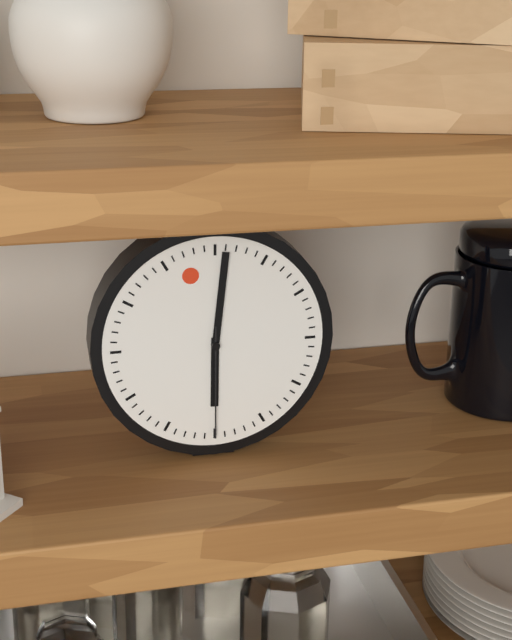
6:01:30
